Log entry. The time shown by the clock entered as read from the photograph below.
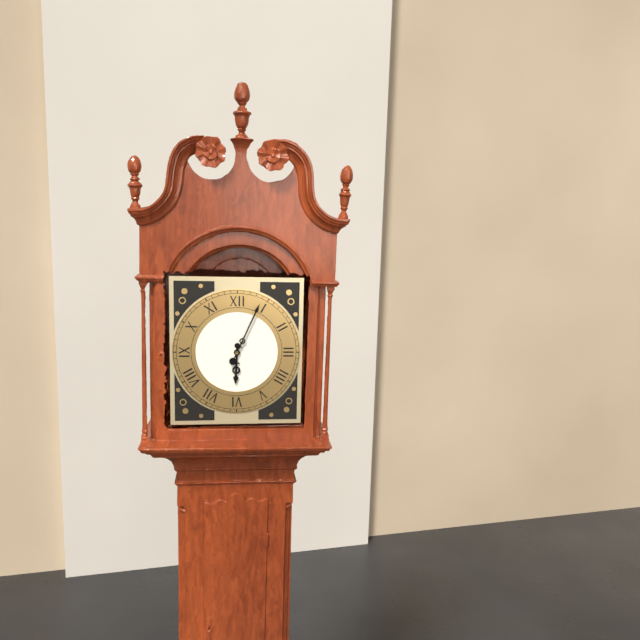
6:04
